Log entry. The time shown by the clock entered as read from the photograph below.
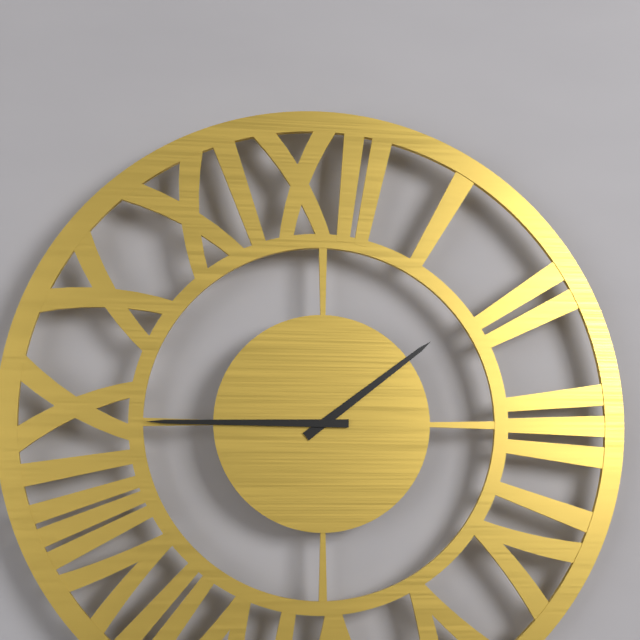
1:45
